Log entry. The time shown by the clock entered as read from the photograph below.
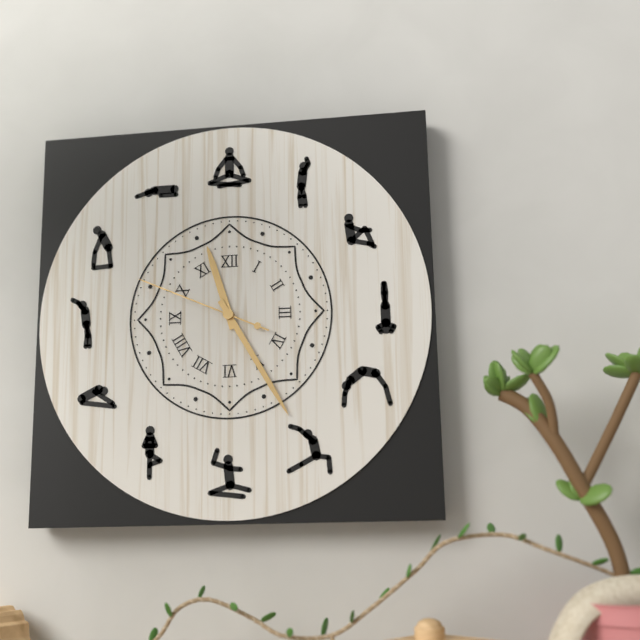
11:25:49
